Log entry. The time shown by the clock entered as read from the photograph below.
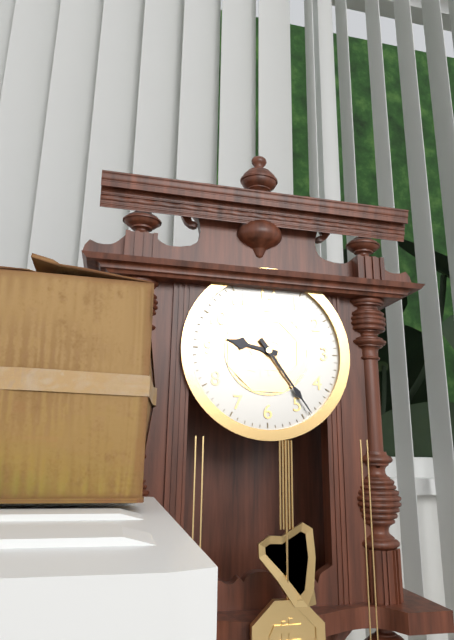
9:24
